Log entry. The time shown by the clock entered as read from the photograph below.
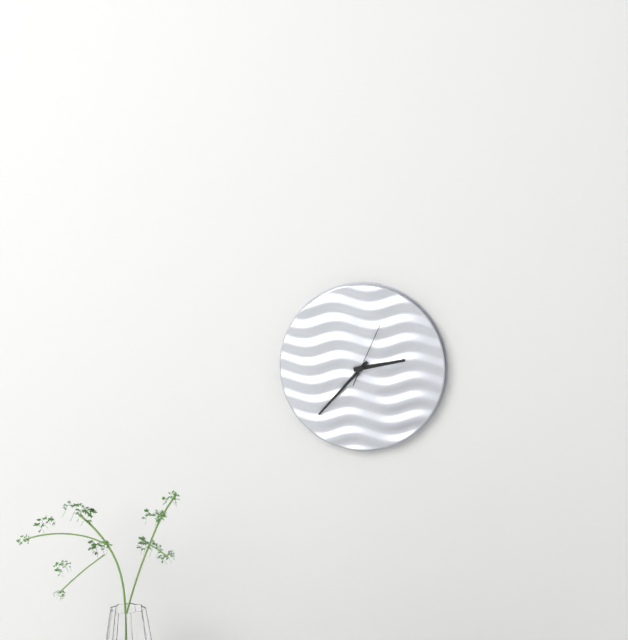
2:37:04
